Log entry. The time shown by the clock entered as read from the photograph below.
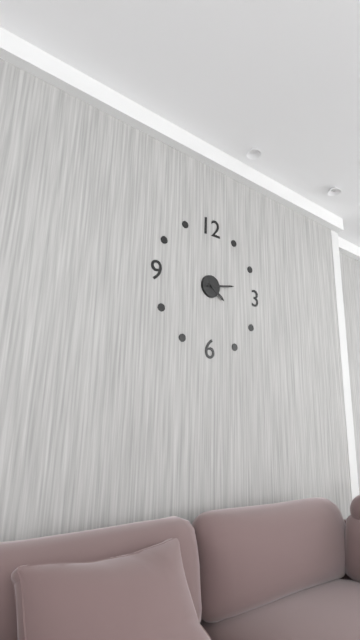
4:13
